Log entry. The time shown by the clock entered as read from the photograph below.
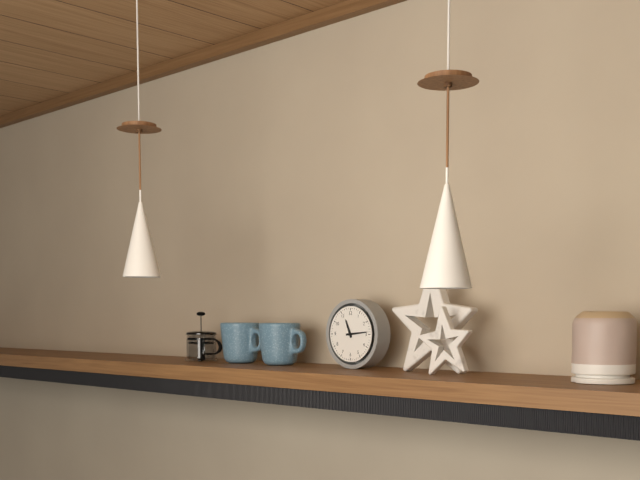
11:14
